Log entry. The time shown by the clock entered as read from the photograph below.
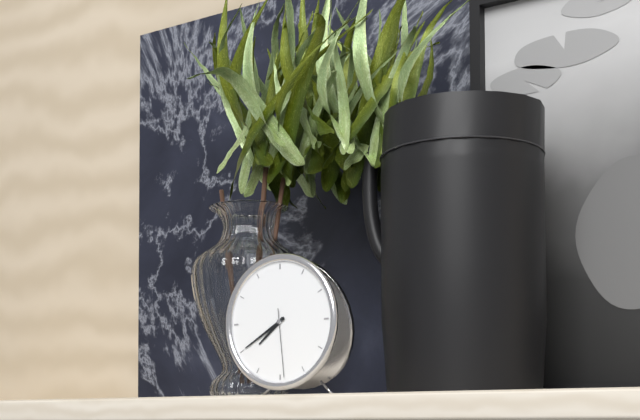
7:40:29
